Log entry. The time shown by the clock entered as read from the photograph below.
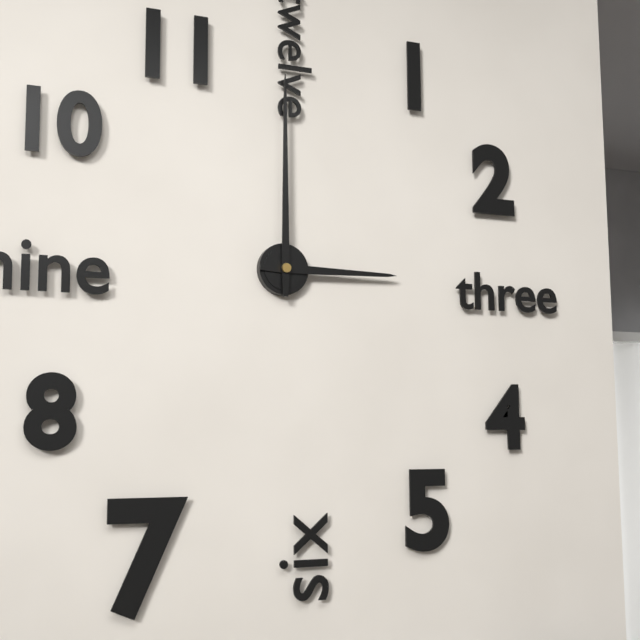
3:00
